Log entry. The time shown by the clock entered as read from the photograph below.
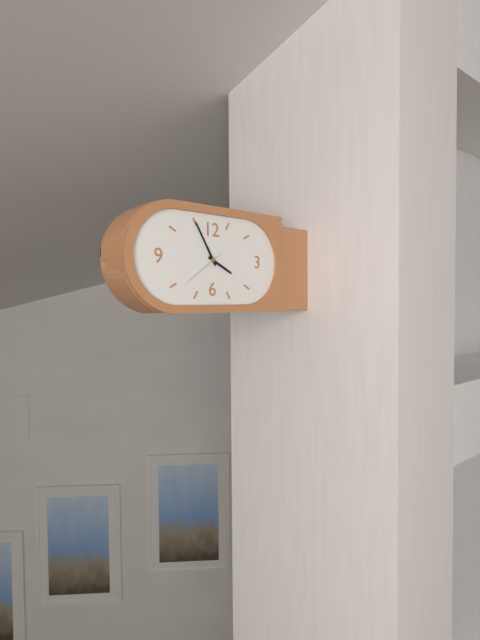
3:55
